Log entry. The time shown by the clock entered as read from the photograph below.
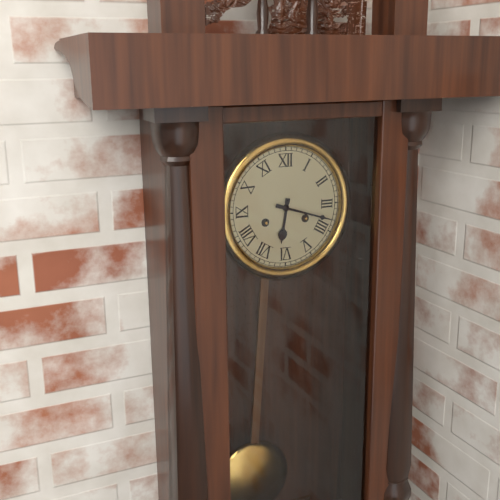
6:18
